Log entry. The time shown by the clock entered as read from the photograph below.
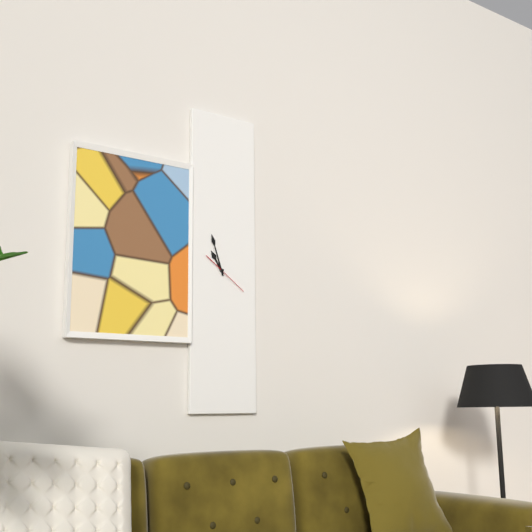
10:57
